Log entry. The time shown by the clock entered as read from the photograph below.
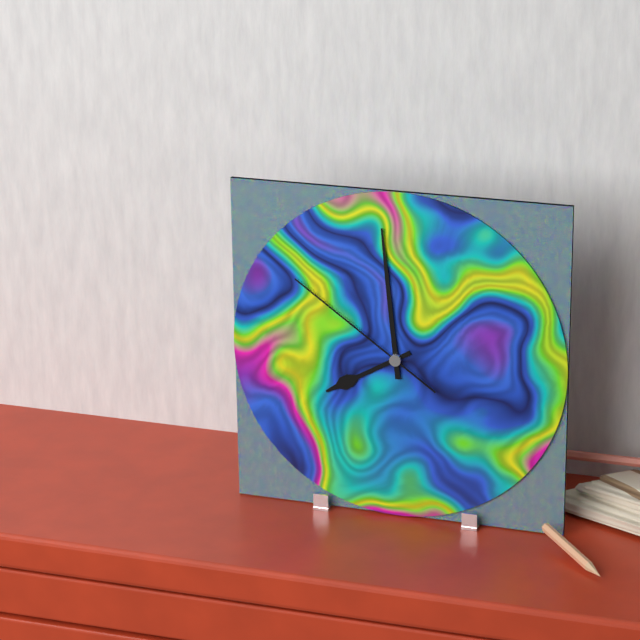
7:59:51
